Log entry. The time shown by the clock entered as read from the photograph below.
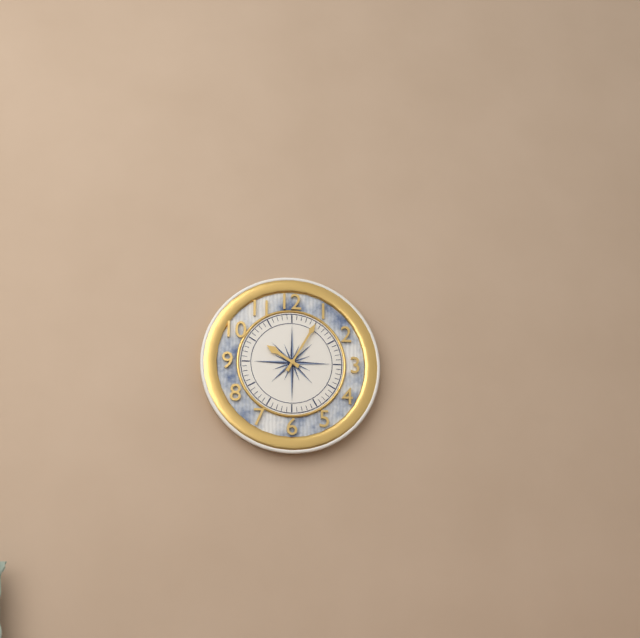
10:05
